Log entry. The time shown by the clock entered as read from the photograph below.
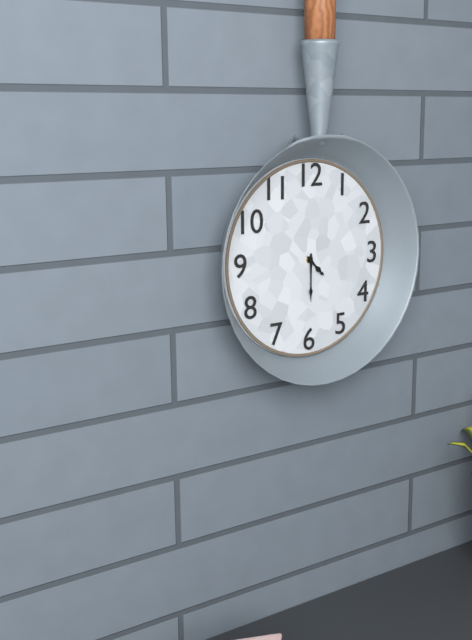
4:30
